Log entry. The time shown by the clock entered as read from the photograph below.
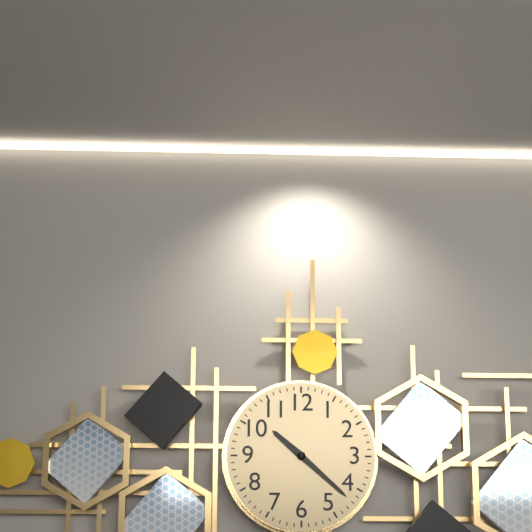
10:22
